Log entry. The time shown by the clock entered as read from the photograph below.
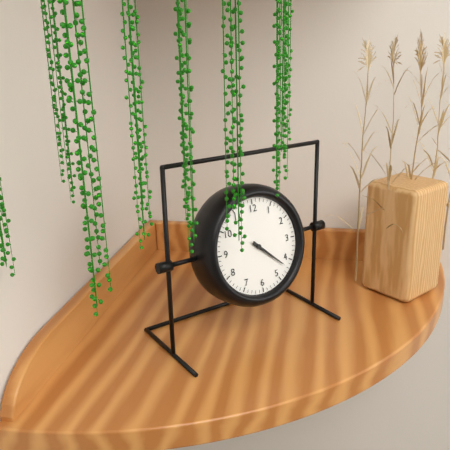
4:22
